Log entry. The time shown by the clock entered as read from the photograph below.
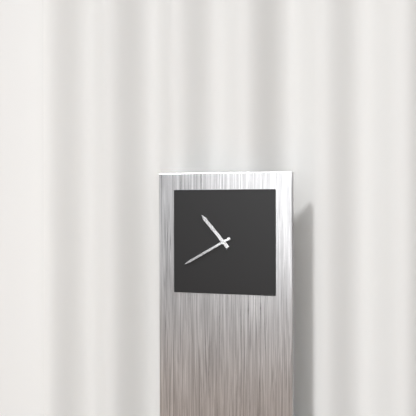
10:40
